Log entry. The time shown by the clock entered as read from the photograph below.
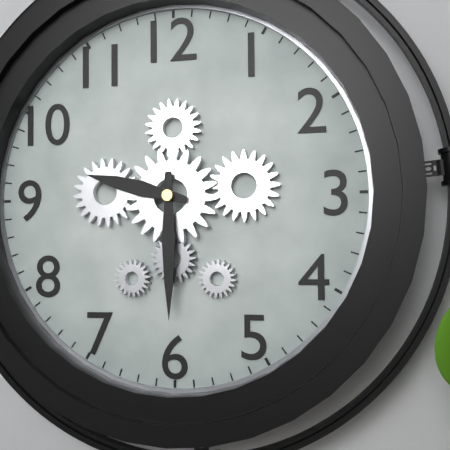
9:30
